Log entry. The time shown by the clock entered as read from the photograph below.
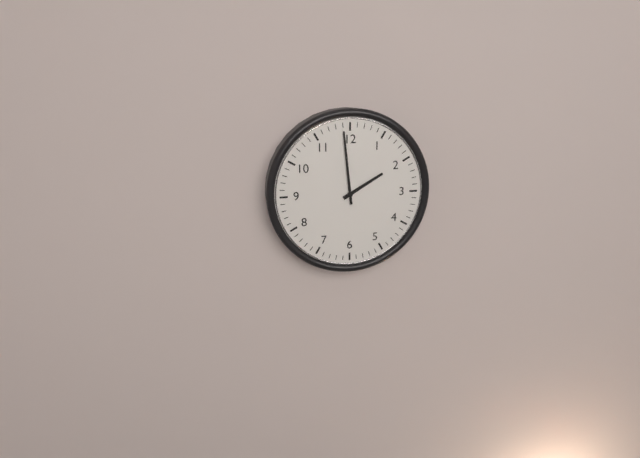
1:59
